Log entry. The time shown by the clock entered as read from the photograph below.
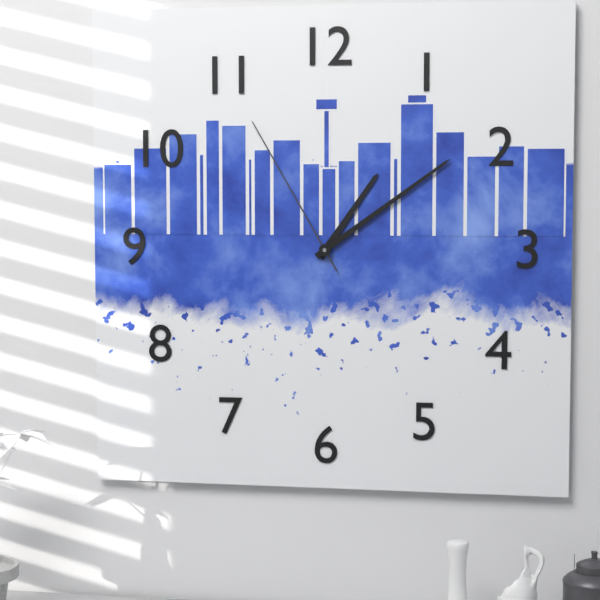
1:09:55
